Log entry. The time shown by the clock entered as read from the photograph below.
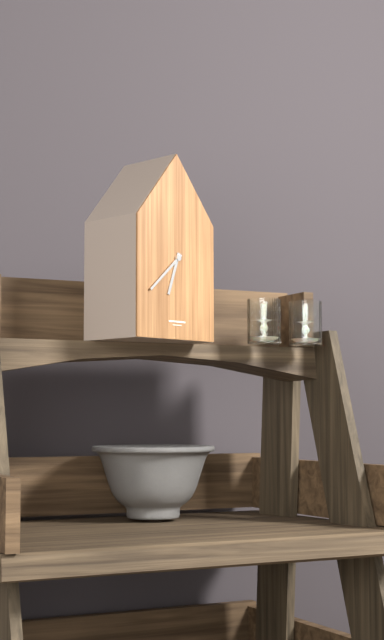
6:38
